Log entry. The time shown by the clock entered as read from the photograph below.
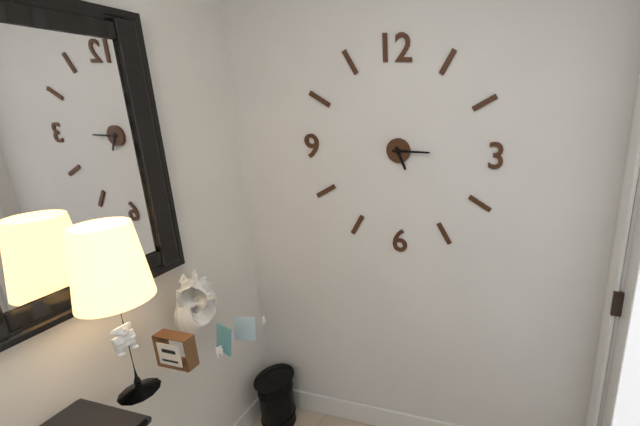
5:15
